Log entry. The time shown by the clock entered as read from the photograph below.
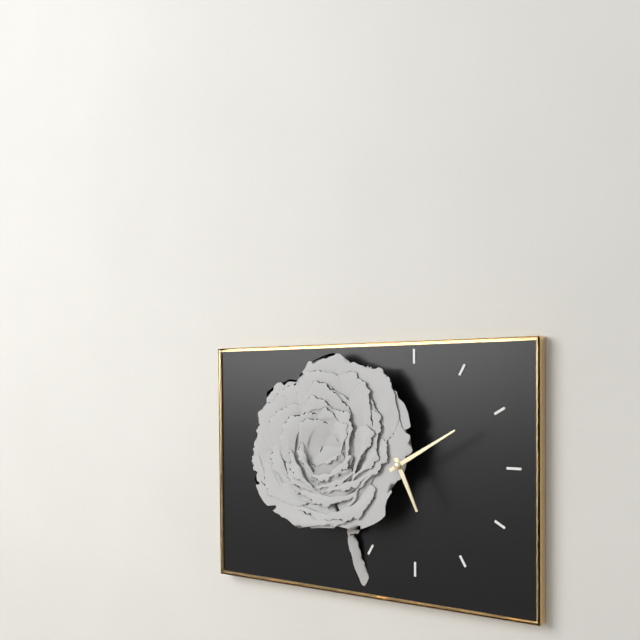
5:10
